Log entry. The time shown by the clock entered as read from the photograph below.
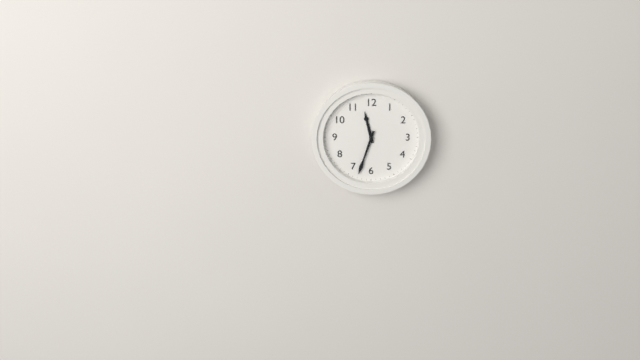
11:33
